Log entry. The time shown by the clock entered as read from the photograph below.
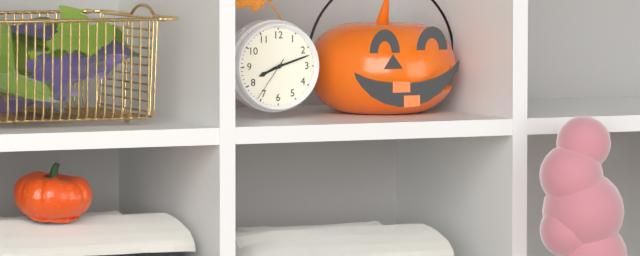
8:12
